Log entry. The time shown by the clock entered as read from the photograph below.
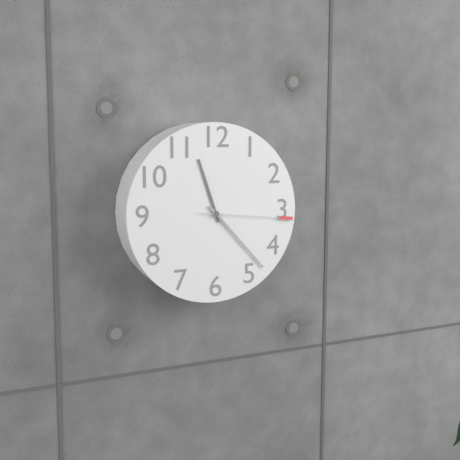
11:23:16
